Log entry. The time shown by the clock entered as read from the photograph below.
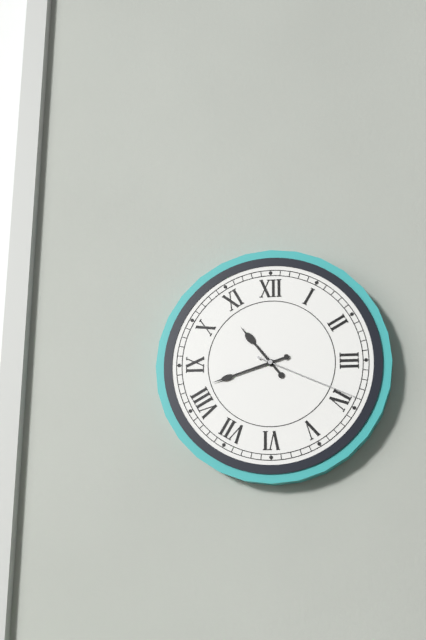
10:42:19
